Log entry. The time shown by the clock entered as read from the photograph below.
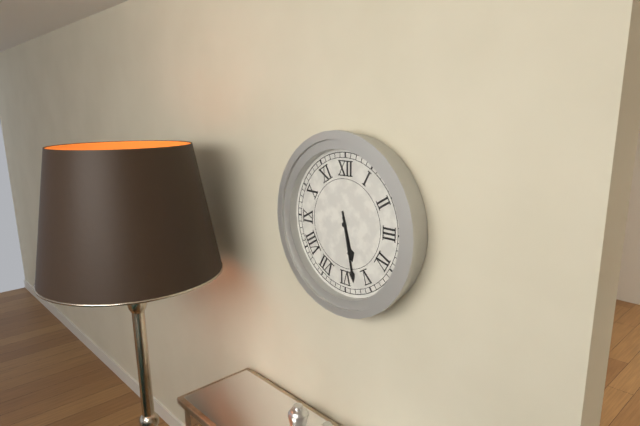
5:28
